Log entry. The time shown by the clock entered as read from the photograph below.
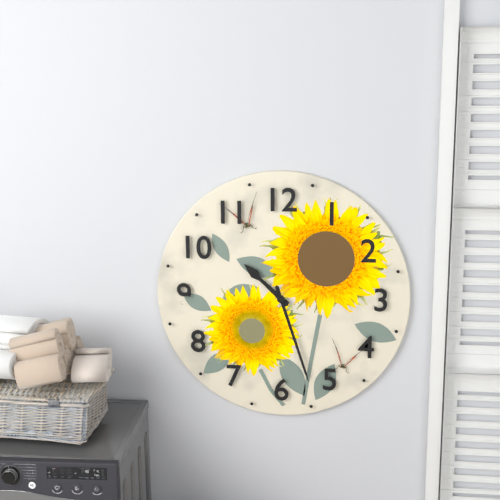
10:27
